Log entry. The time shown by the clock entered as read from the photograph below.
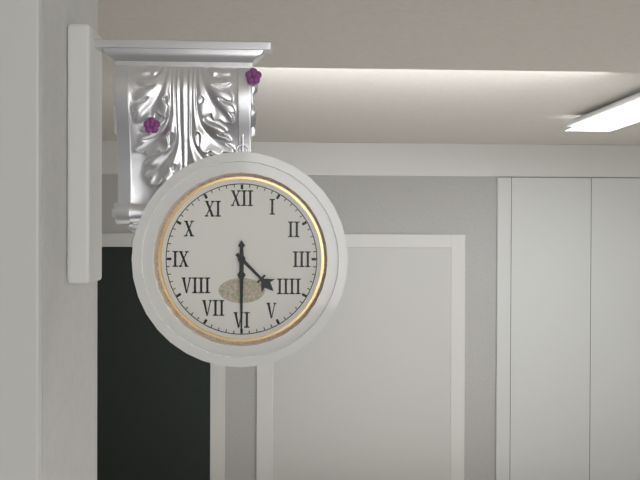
4:30
